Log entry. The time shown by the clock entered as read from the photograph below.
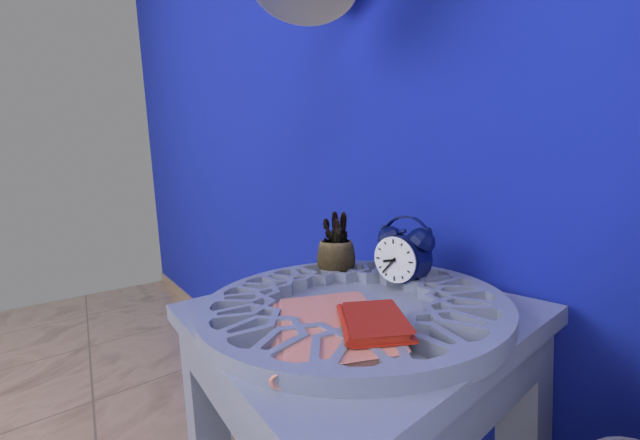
8:37
